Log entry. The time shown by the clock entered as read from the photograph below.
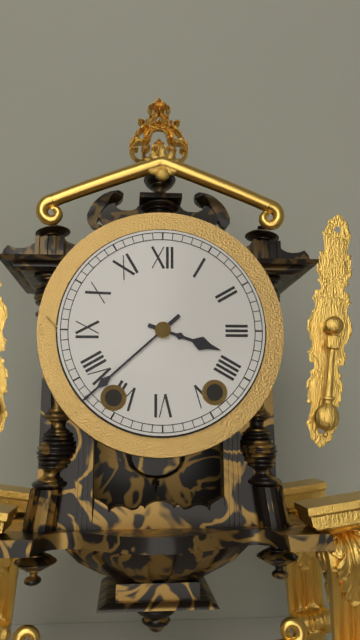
3:38
